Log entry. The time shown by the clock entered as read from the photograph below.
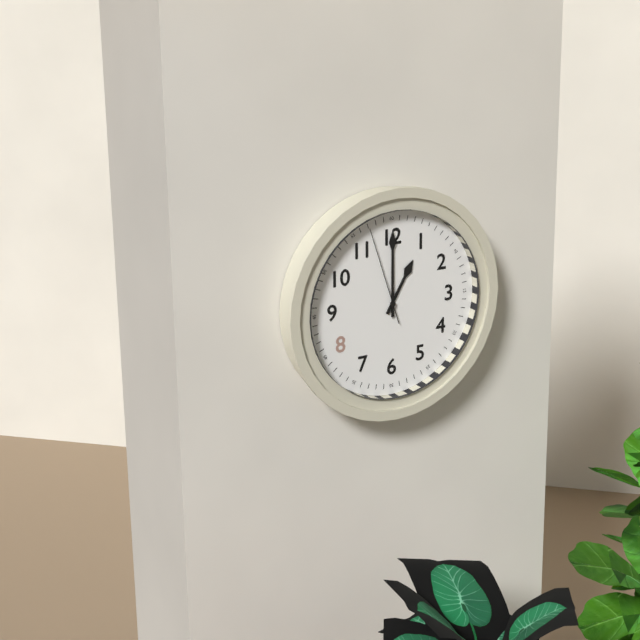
1:00:57
